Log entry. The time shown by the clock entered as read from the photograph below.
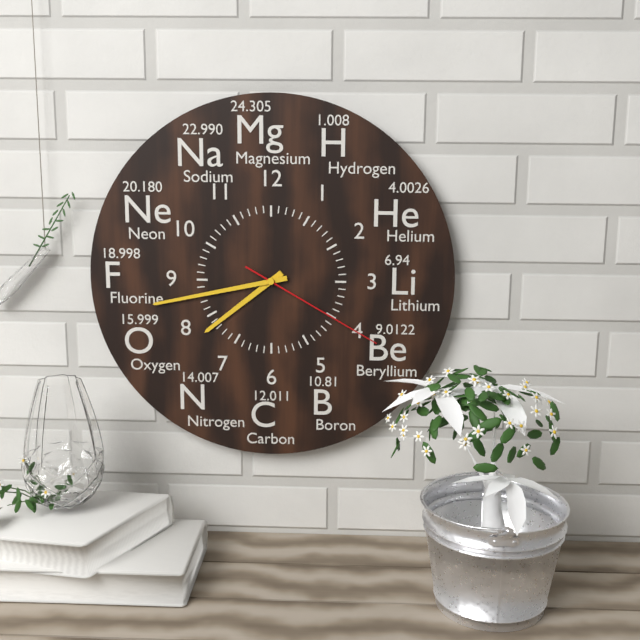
7:43:20
